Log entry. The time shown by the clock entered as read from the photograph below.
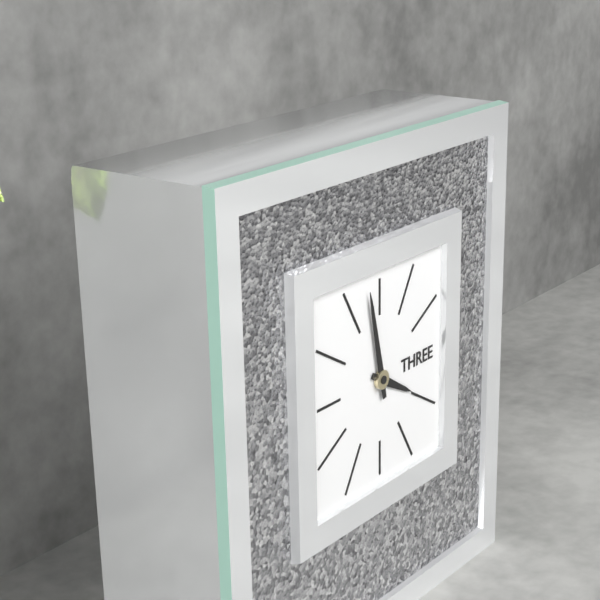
3:58
